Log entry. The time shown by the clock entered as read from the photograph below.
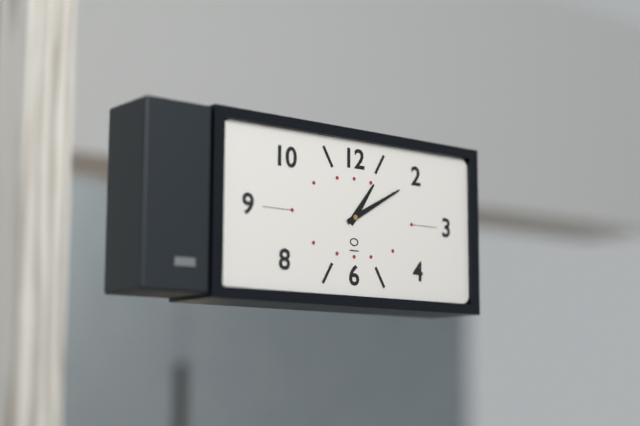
1:10
